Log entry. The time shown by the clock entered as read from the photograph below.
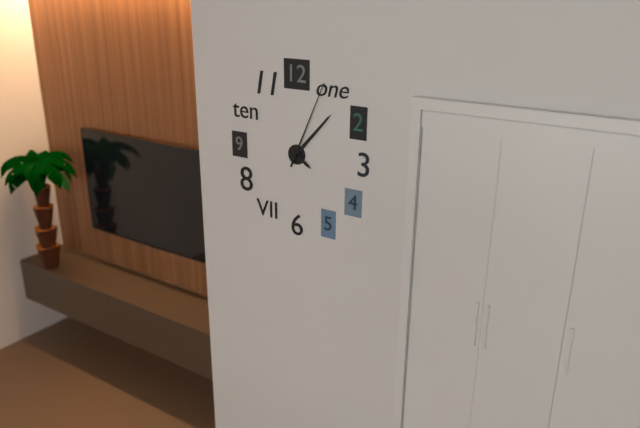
4:07:04
